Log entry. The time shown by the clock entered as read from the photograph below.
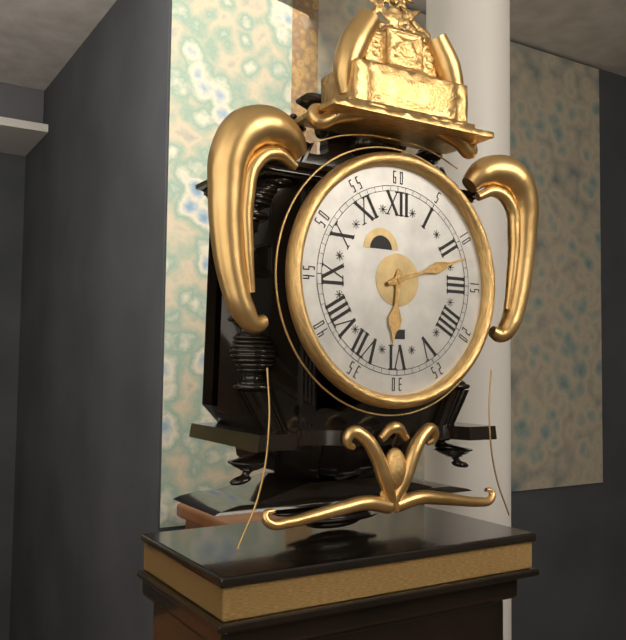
6:12
